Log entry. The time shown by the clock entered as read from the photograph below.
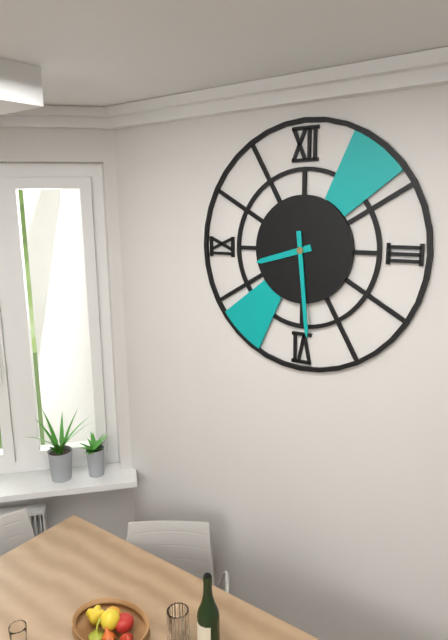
8:29
